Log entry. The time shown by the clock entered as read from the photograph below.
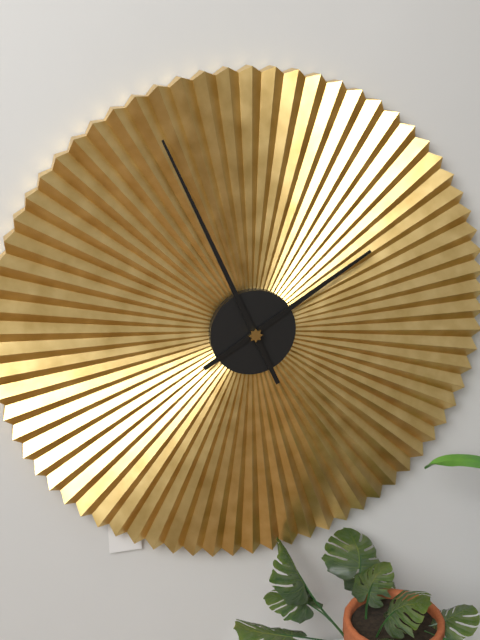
1:56
